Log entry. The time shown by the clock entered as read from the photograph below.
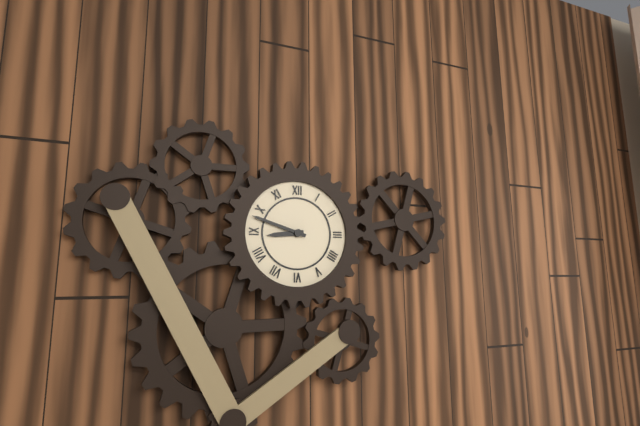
8:48
